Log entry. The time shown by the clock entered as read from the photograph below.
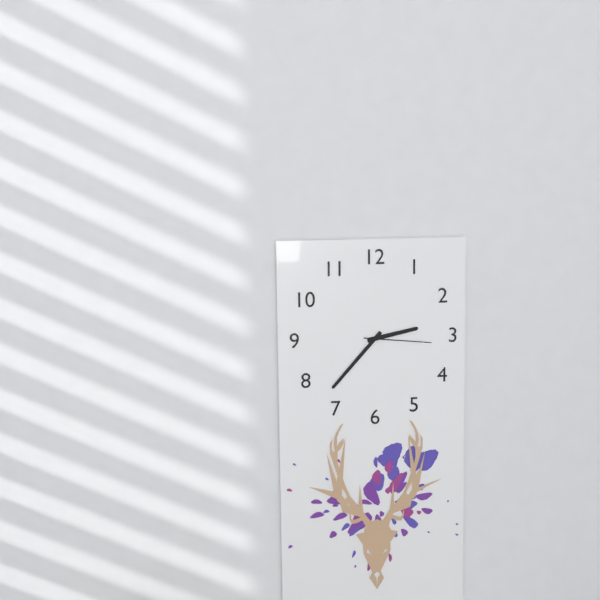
2:37:16
